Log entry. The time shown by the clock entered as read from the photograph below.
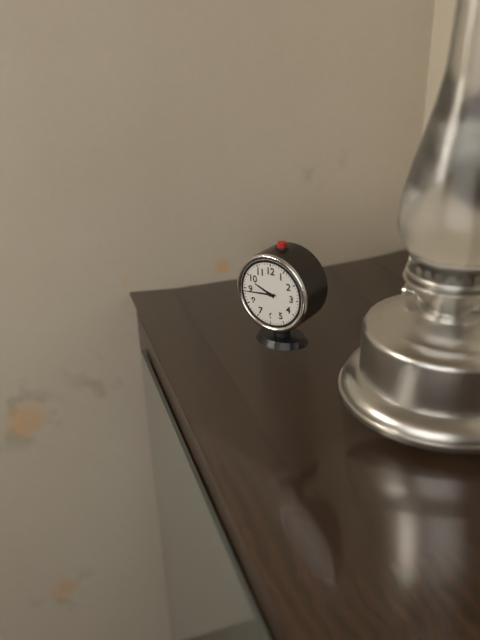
9:44
